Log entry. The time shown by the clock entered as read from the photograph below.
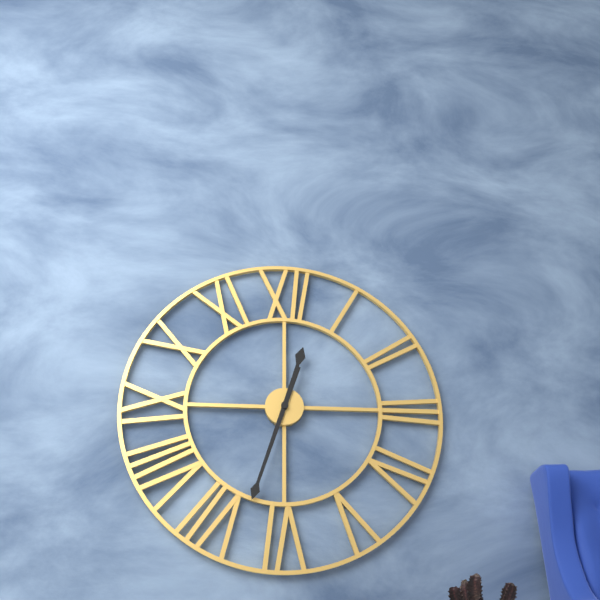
12:33
